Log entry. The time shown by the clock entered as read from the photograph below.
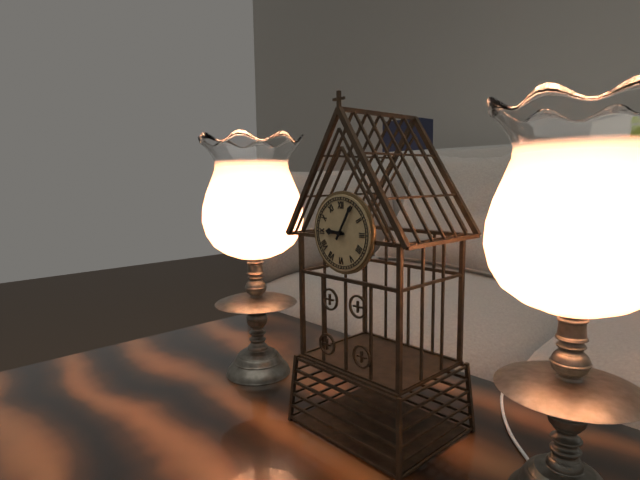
9:05
